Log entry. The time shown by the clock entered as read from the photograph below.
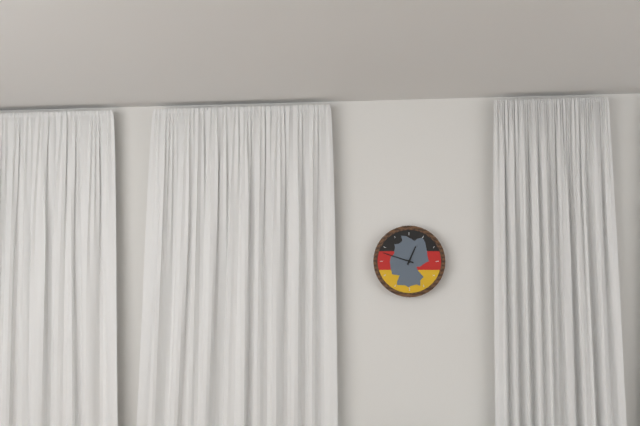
12:48
